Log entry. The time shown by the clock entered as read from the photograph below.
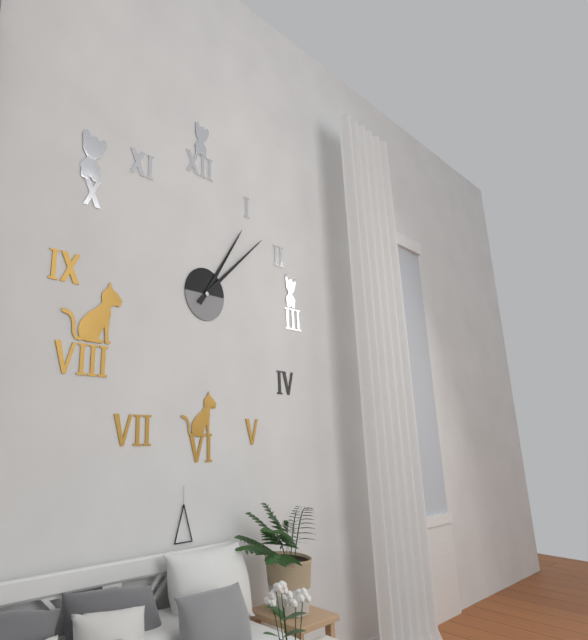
1:08
